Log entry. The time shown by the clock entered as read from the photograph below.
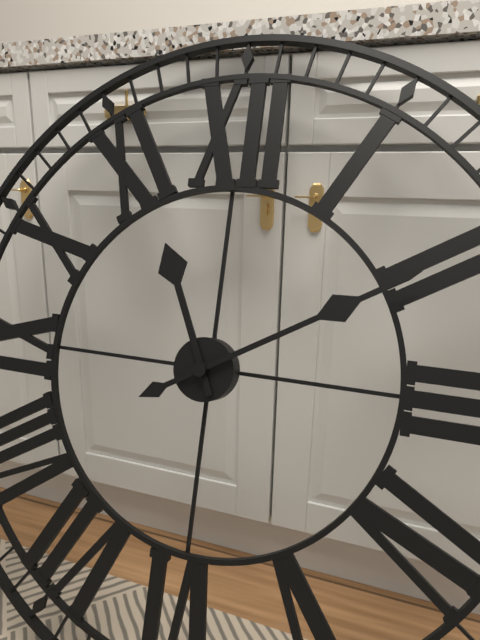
11:10
